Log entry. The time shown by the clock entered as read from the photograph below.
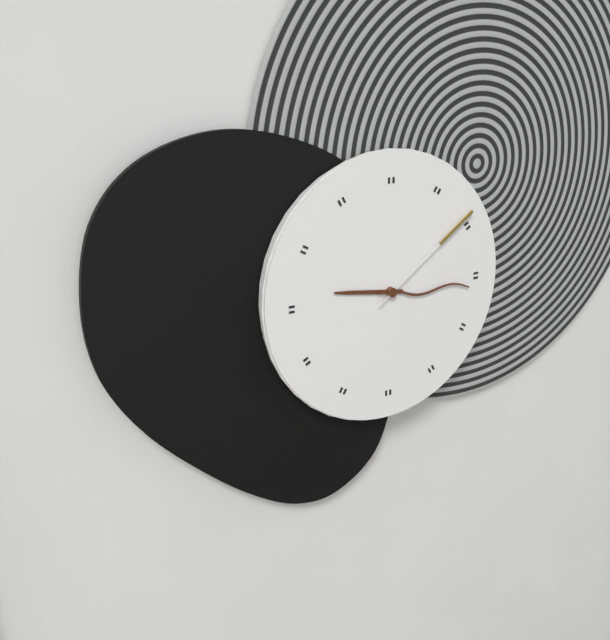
9:16:09
